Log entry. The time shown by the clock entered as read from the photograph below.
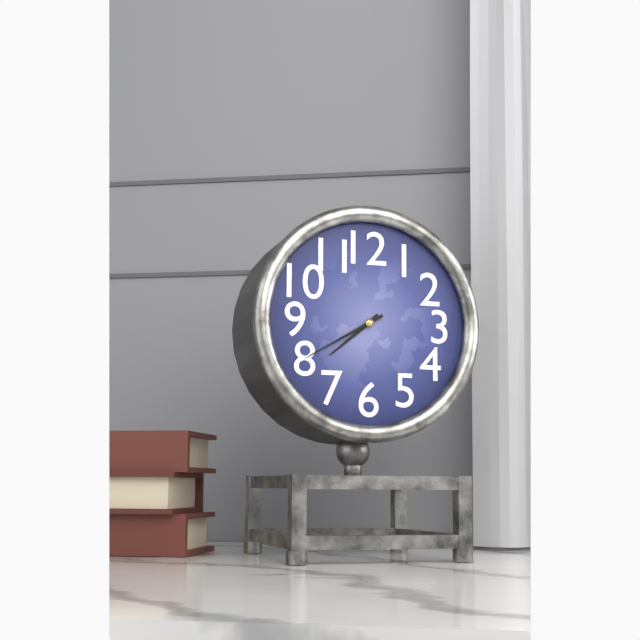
7:40
